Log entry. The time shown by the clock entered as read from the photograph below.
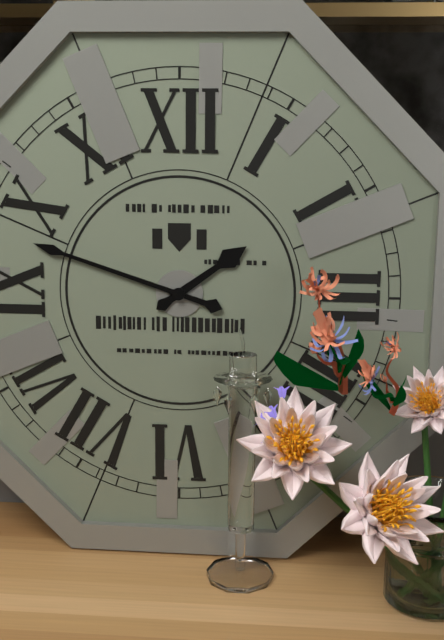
1:48
